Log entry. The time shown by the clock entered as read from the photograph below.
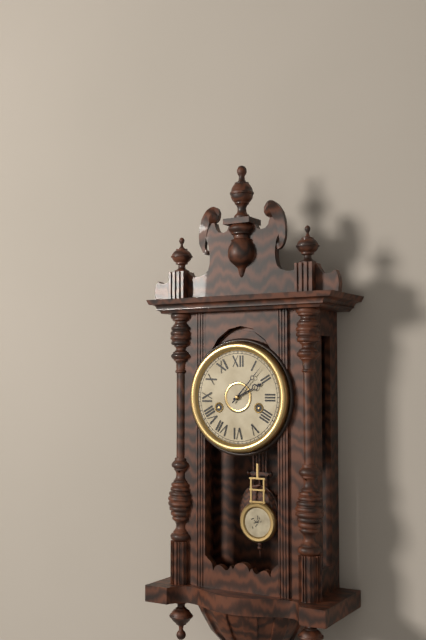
2:07
